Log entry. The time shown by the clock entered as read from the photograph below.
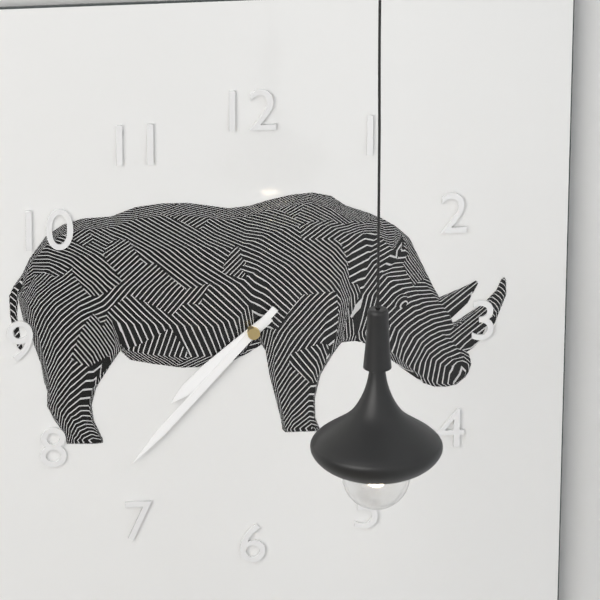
7:37
